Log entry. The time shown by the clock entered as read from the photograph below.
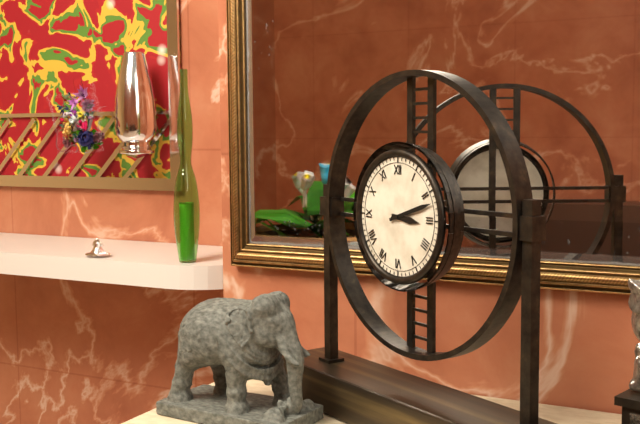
3:12
